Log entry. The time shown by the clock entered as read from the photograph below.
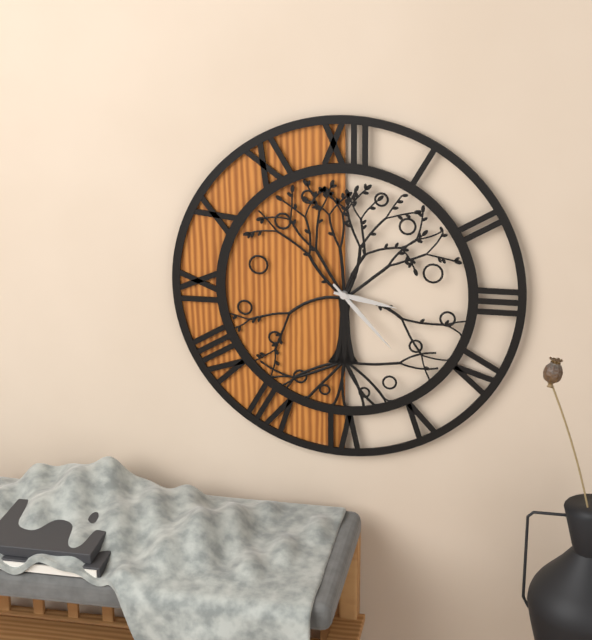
3:23
